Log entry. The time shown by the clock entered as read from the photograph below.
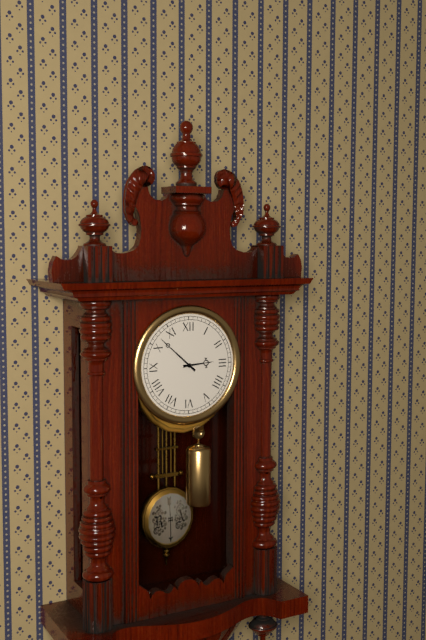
2:52
